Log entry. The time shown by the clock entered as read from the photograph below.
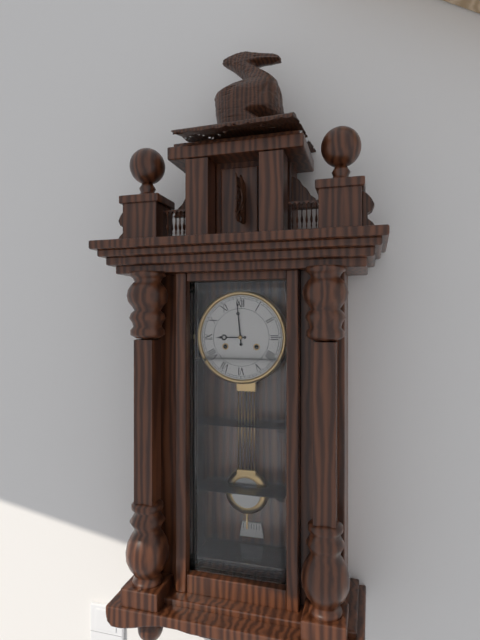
8:59
